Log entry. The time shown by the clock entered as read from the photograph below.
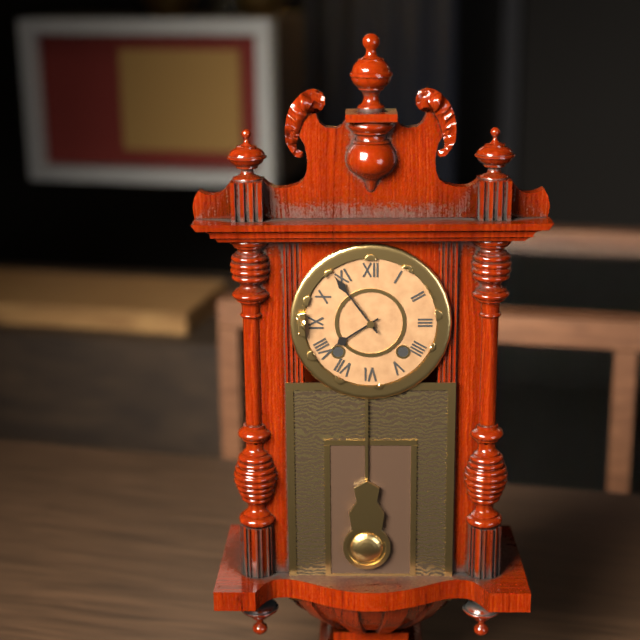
7:54
